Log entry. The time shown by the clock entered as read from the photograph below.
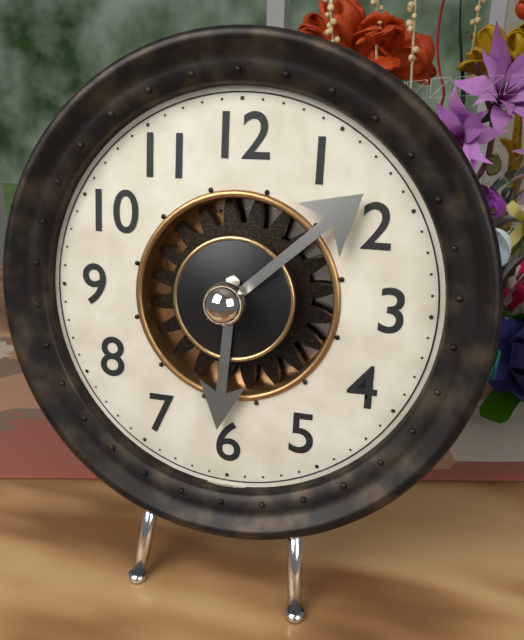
6:08
